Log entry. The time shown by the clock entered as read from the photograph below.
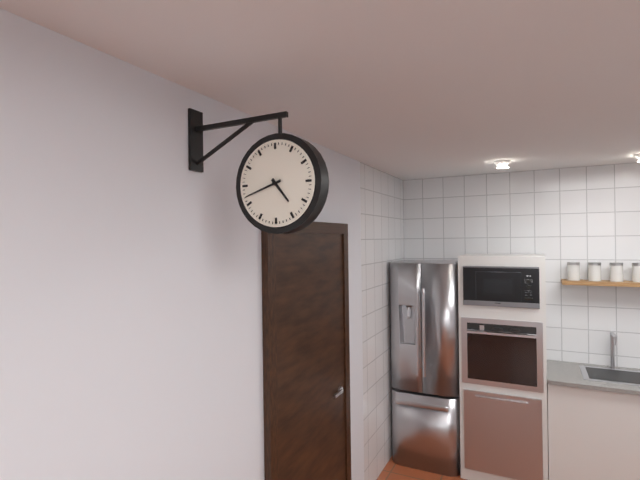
4:42
